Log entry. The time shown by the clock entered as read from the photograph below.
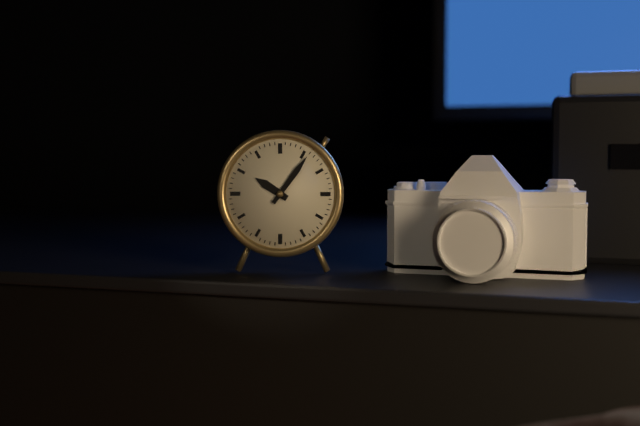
10:06
